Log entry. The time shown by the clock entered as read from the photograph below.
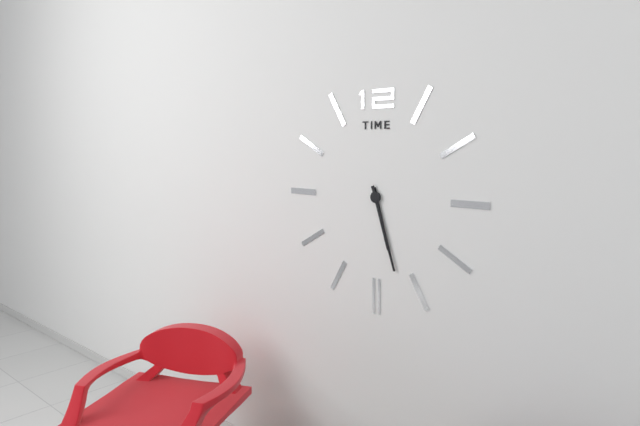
5:27
